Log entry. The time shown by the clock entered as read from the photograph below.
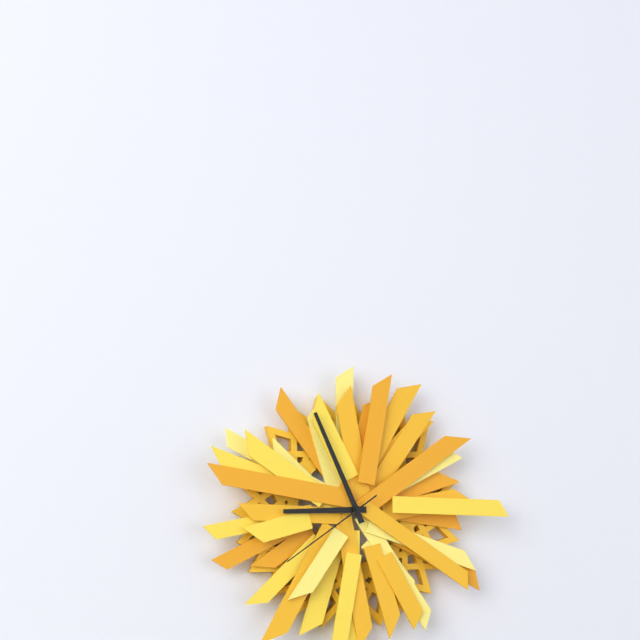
8:56:39
